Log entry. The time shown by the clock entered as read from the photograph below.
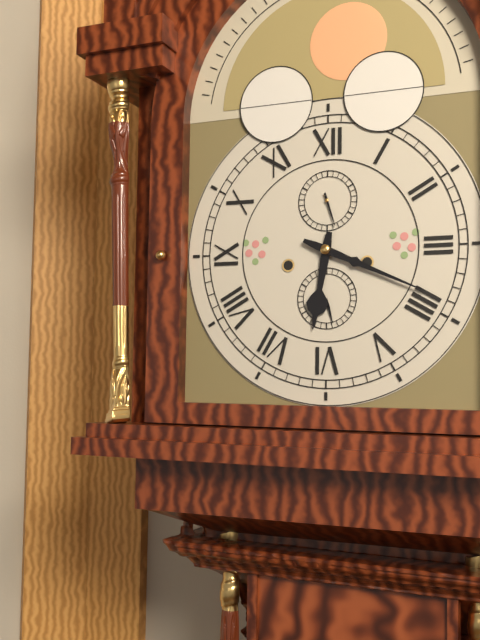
6:19
